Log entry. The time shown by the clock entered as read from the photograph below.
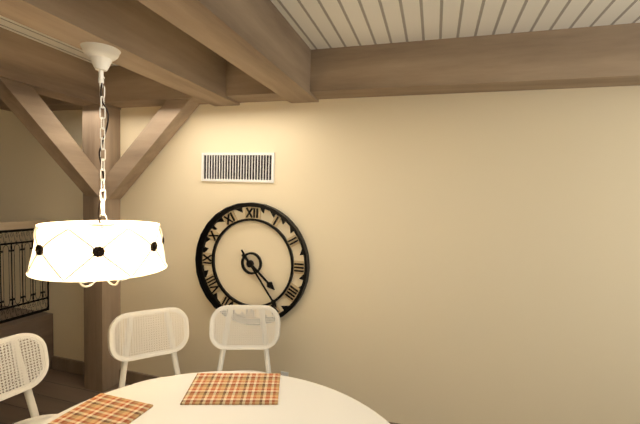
4:24
